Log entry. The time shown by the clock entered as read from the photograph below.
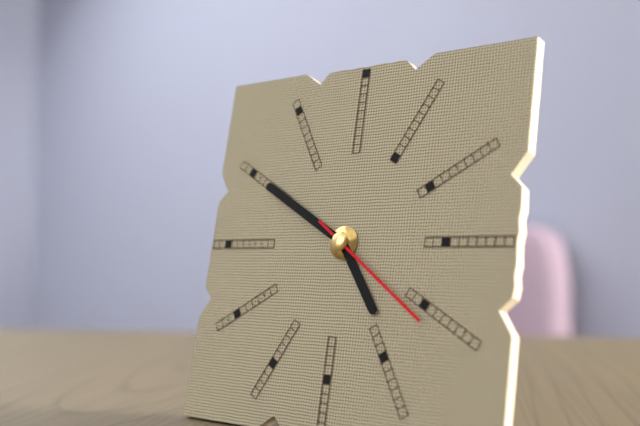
4:50:21
